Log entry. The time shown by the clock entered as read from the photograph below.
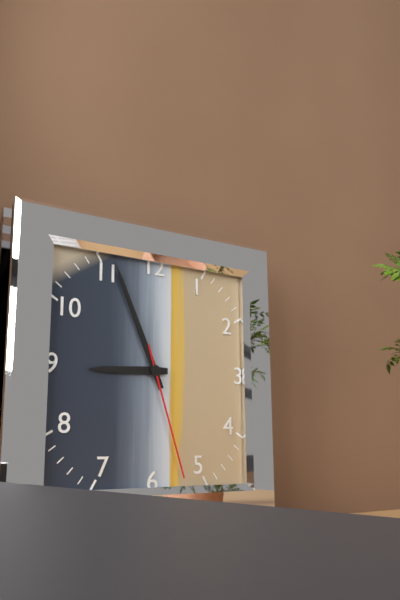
8:56:27
